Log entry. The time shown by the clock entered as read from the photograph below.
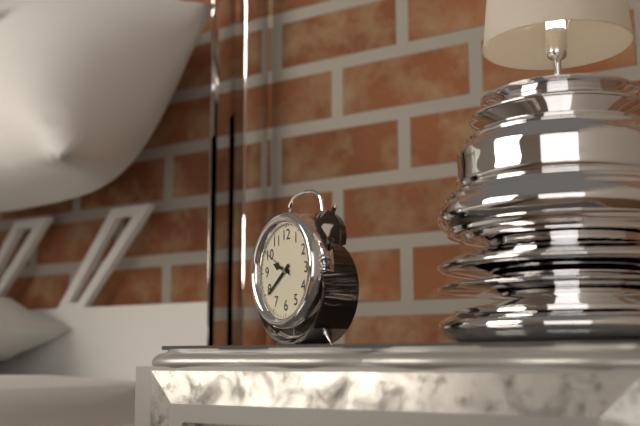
9:39
